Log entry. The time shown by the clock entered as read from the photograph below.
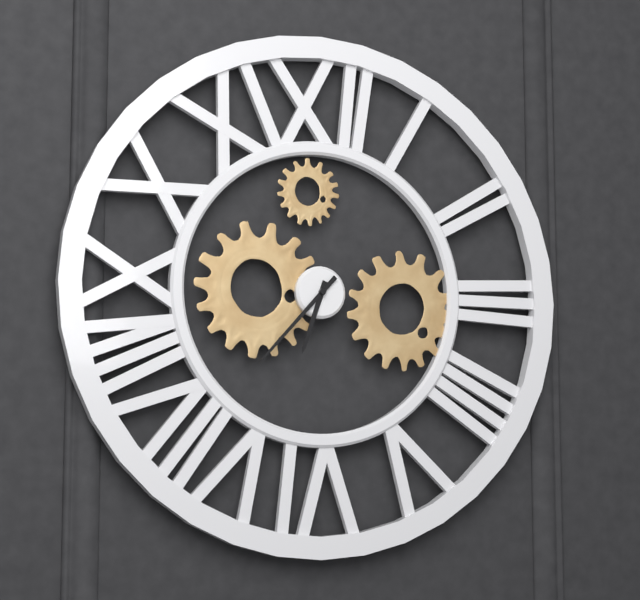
6:37
